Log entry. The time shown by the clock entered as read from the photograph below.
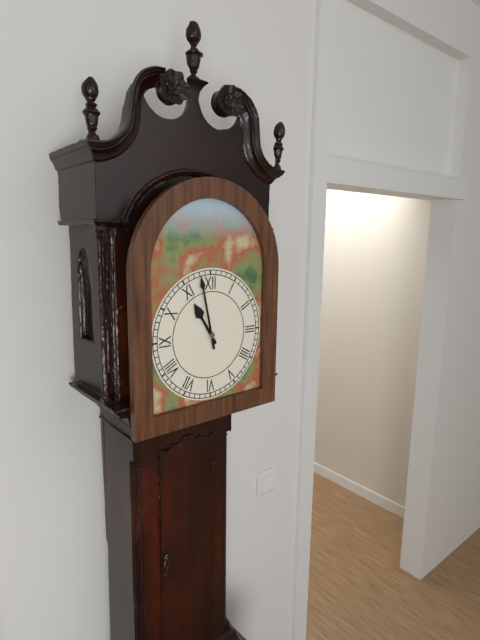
10:58
